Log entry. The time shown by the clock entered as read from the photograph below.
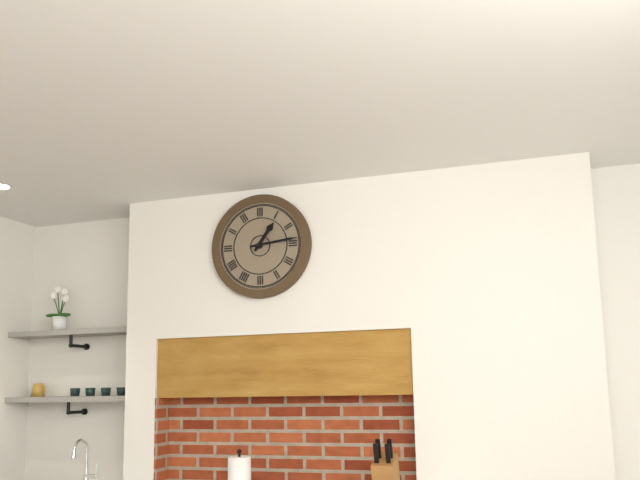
1:14
